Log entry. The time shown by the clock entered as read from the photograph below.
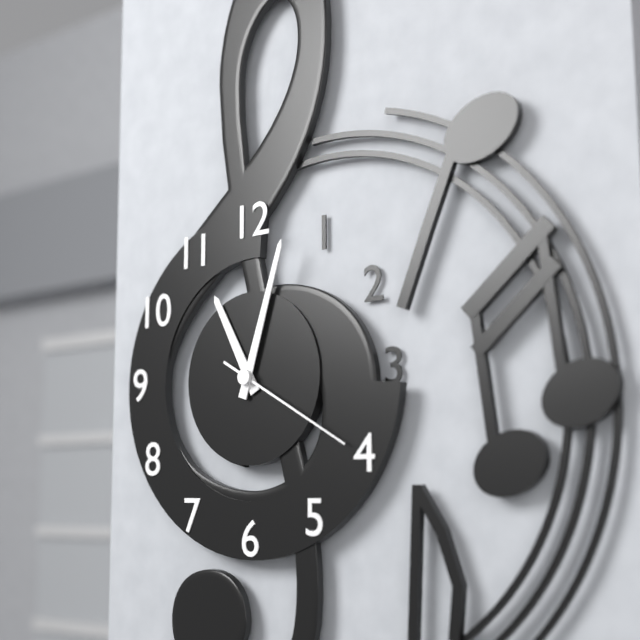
11:03:20
